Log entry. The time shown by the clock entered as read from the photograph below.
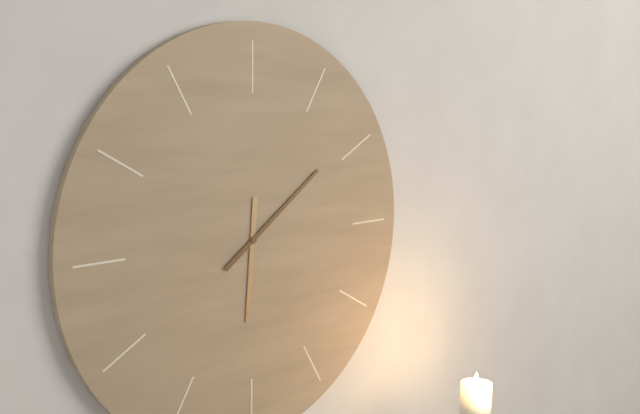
6:09
